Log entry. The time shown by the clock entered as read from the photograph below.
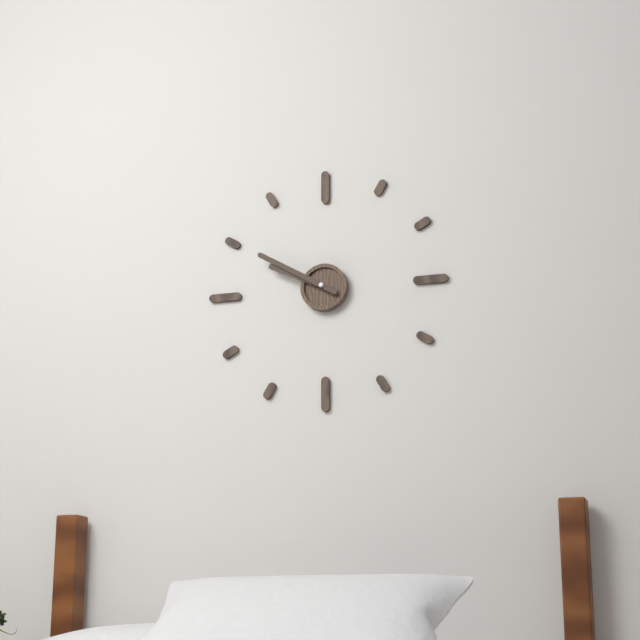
9:50
